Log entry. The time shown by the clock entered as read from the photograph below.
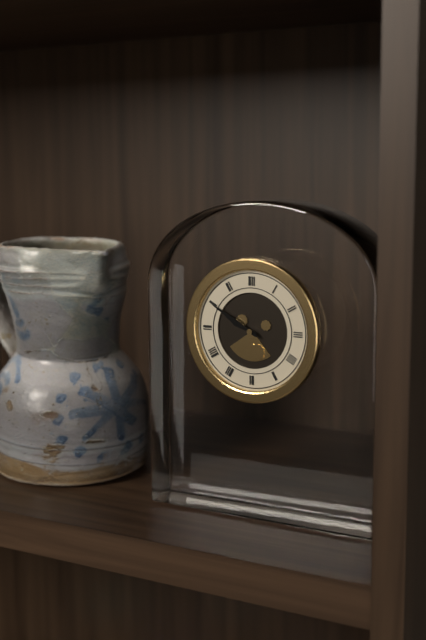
9:50
